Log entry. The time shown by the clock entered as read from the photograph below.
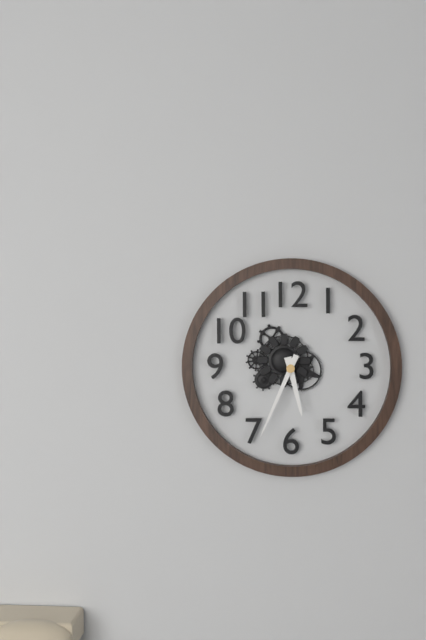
5:34
